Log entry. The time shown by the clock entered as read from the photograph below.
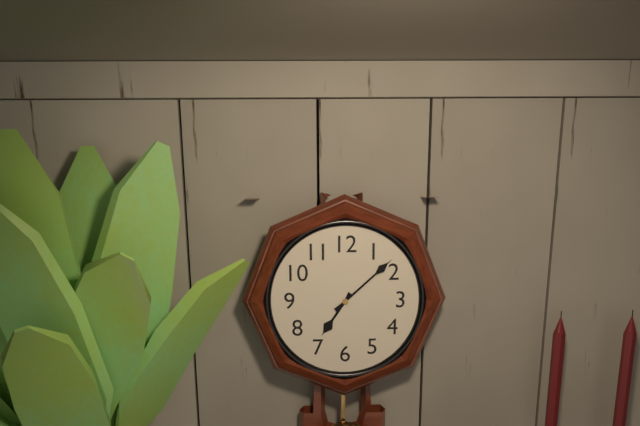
7:08
